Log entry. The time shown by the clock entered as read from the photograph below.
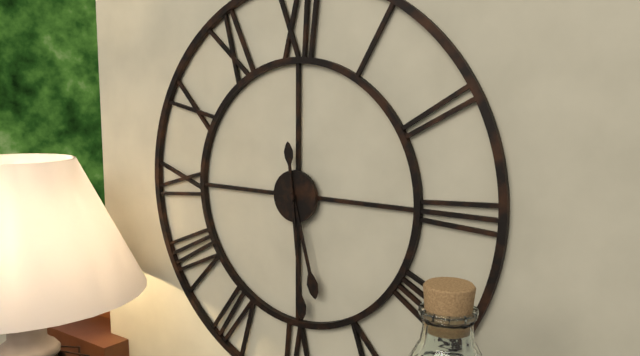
5:29
